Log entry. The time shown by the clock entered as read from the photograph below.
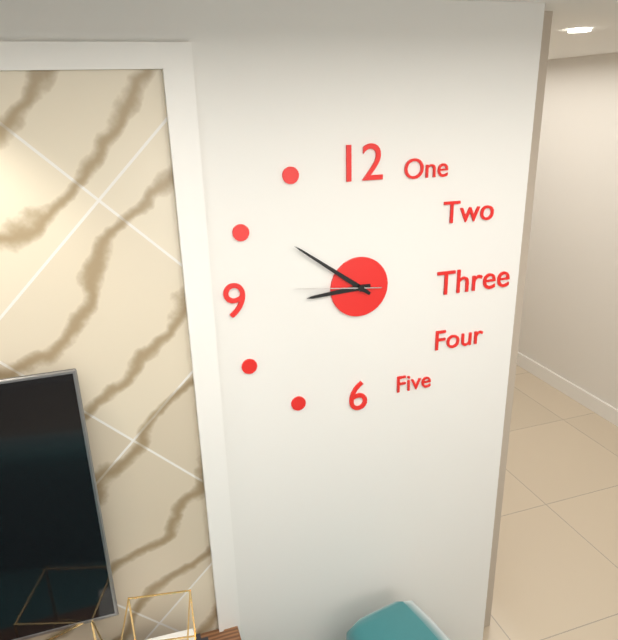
8:51:46
